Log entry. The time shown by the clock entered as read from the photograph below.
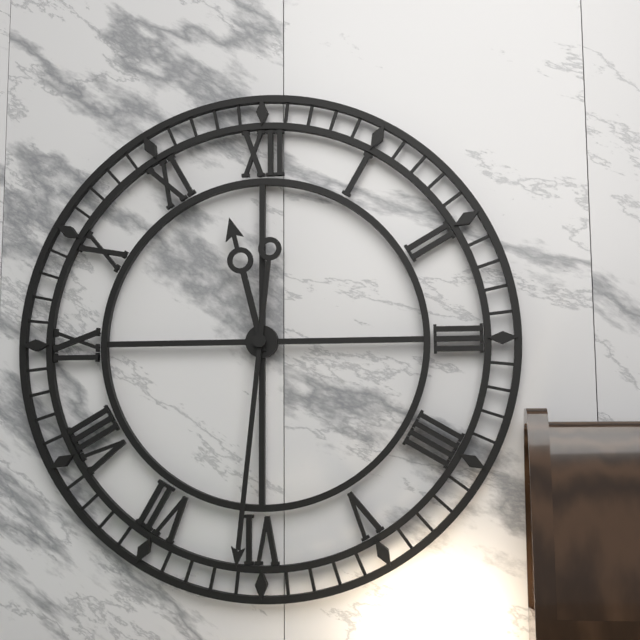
11:31
